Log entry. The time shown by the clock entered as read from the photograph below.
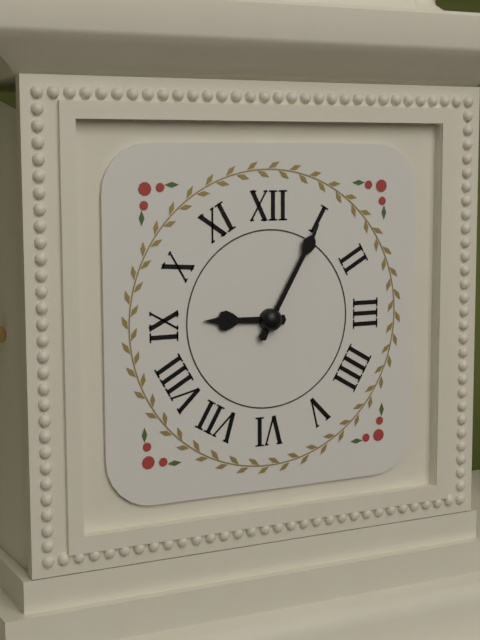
9:05
